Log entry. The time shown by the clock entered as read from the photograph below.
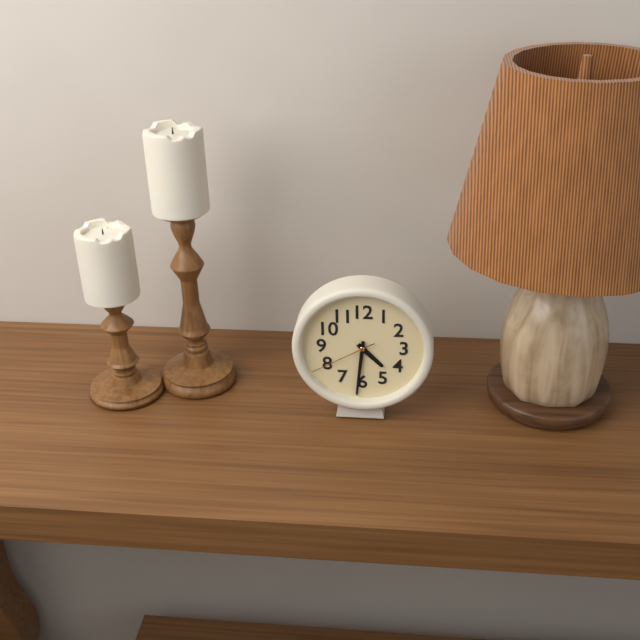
4:31:40
